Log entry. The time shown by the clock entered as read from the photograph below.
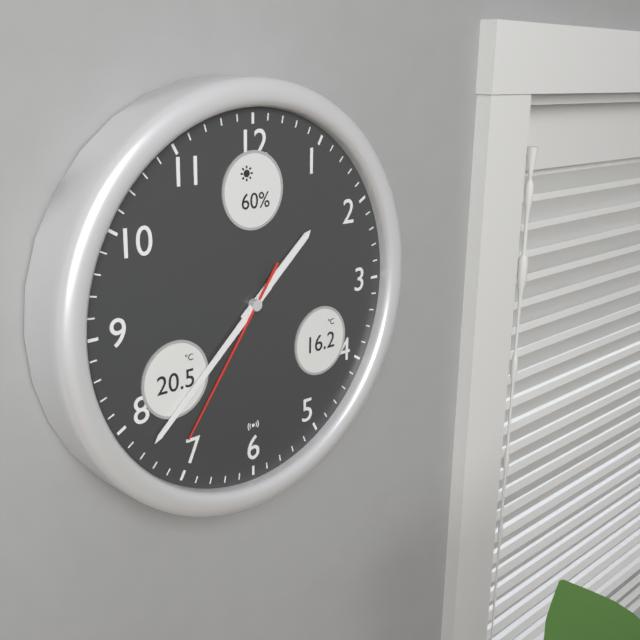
1:38:36
